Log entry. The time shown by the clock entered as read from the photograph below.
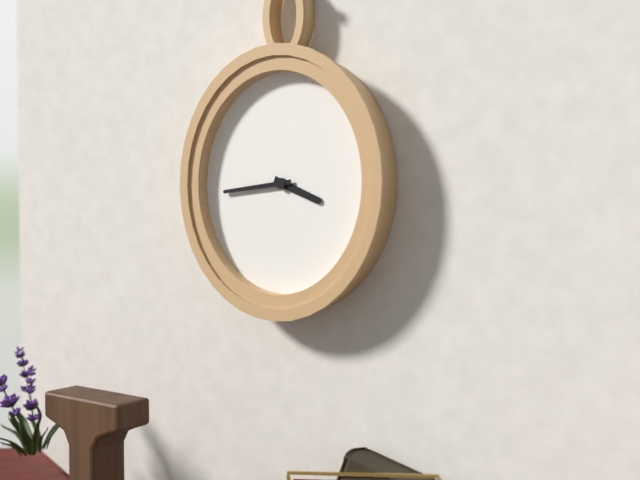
3:44
